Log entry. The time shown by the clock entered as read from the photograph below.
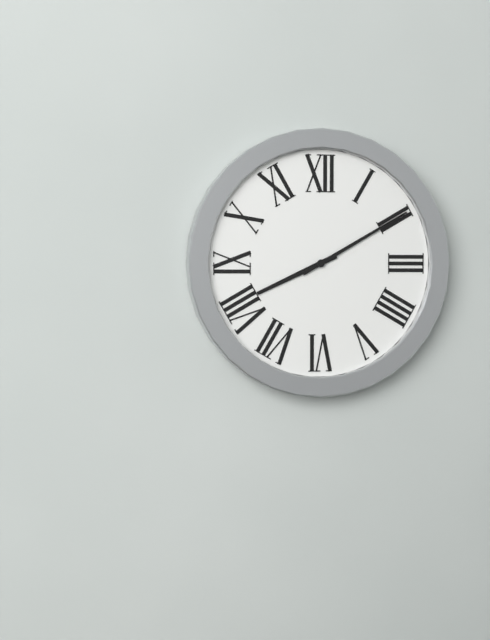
8:10
